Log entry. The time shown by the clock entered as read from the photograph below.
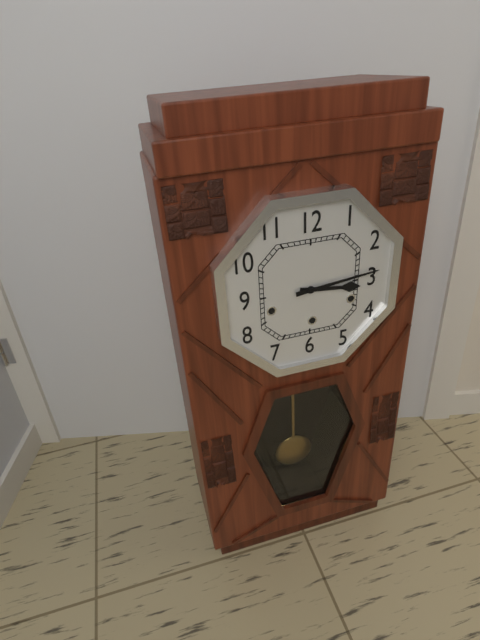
3:14
